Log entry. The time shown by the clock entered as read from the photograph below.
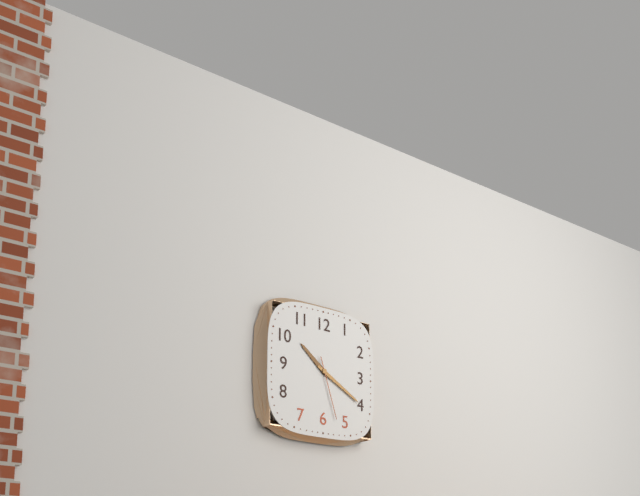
10:20:27
